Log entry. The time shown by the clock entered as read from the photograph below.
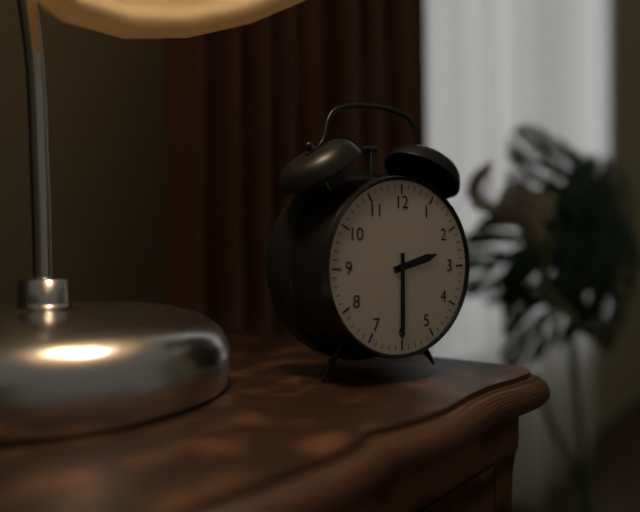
2:30
